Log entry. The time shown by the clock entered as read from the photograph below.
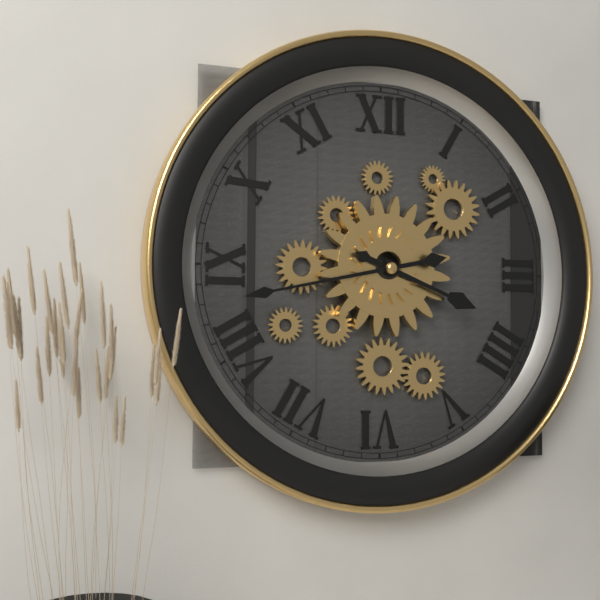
3:43
